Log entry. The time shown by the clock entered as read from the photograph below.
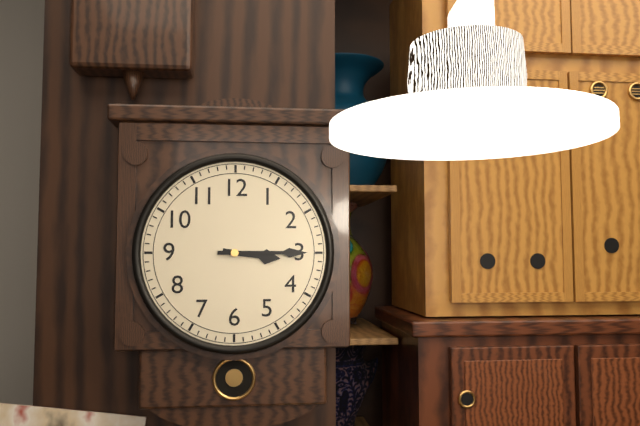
3:15
